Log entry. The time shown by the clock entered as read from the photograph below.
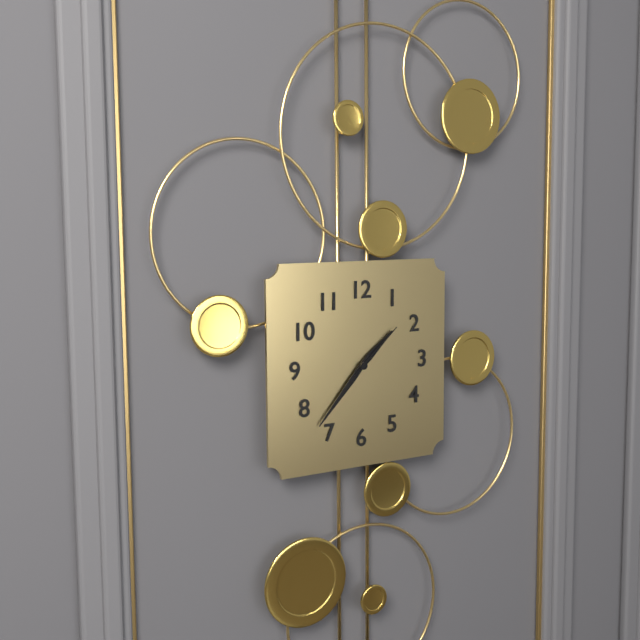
1:37:08
